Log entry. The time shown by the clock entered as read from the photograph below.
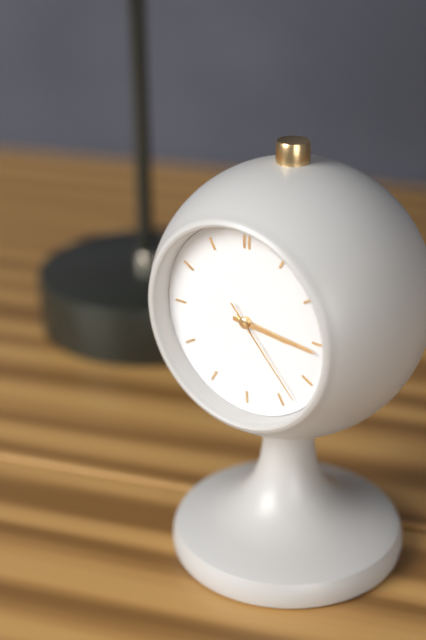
3:16:23
